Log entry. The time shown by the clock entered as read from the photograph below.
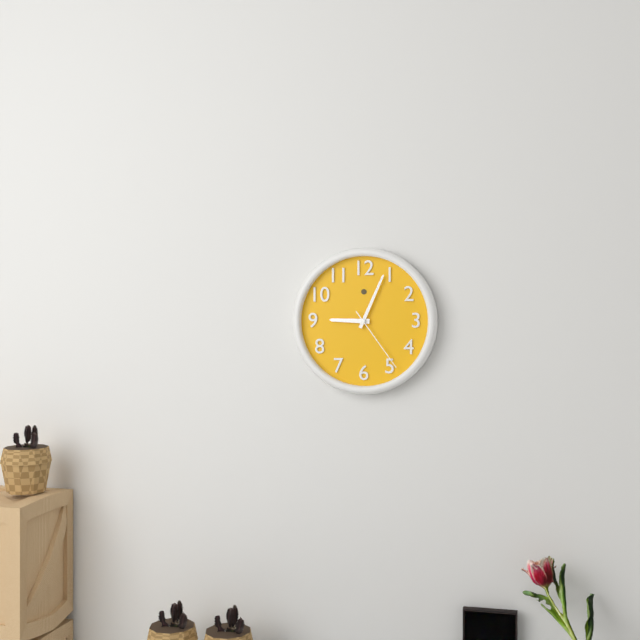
9:04:24
